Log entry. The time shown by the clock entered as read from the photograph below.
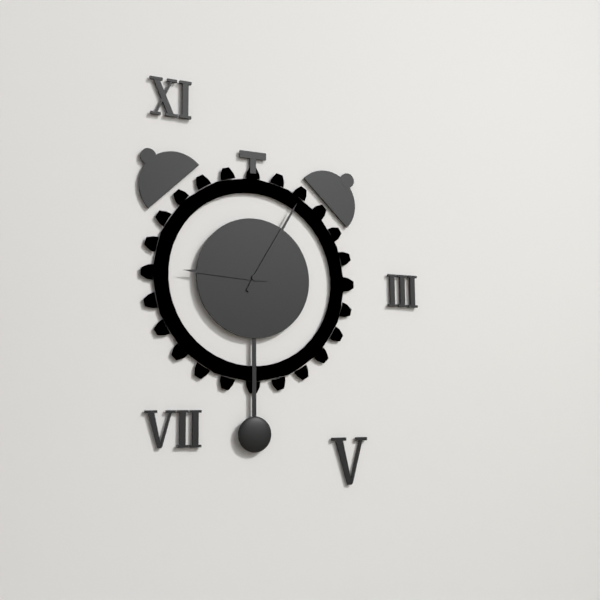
9:05
